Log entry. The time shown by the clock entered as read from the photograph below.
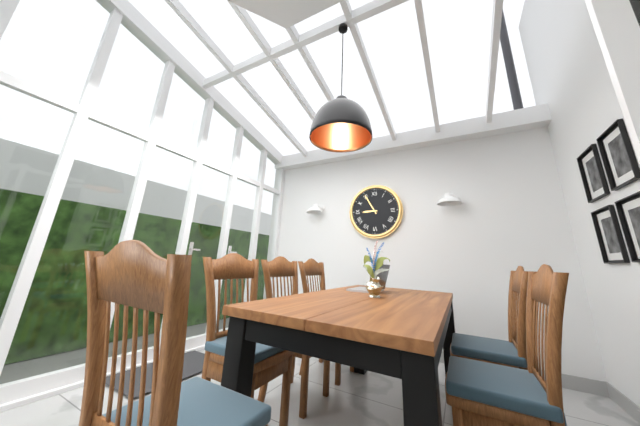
8:55
